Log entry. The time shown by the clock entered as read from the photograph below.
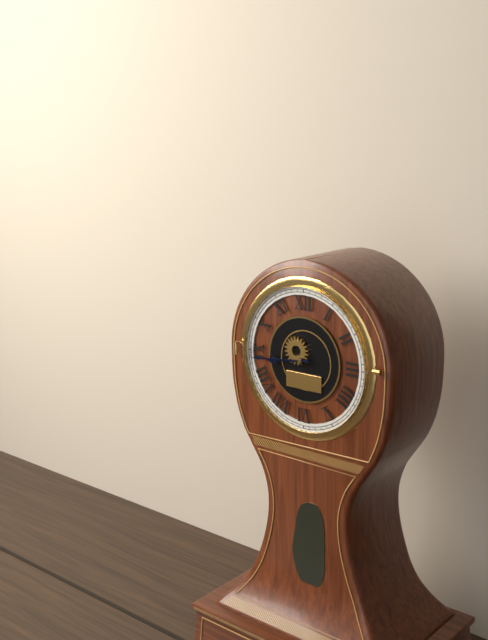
8:44
